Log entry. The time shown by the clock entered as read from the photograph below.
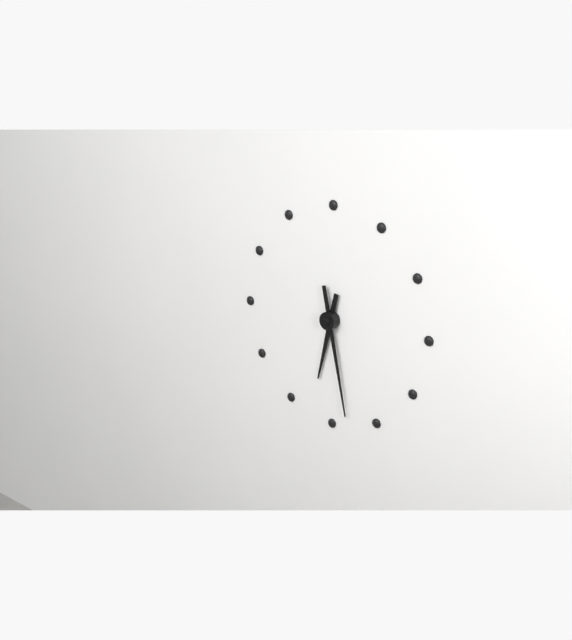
6:28
